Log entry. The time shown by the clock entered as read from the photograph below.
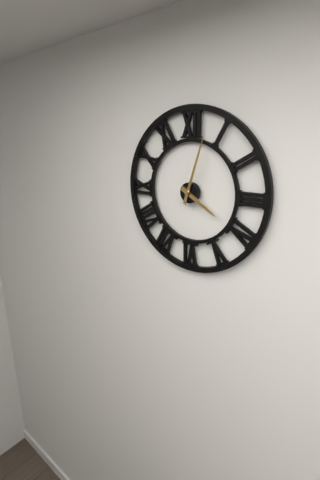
4:03
